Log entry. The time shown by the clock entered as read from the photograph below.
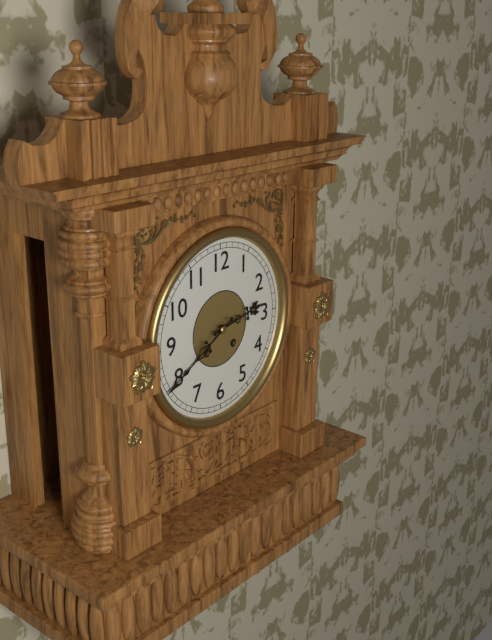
2:40
